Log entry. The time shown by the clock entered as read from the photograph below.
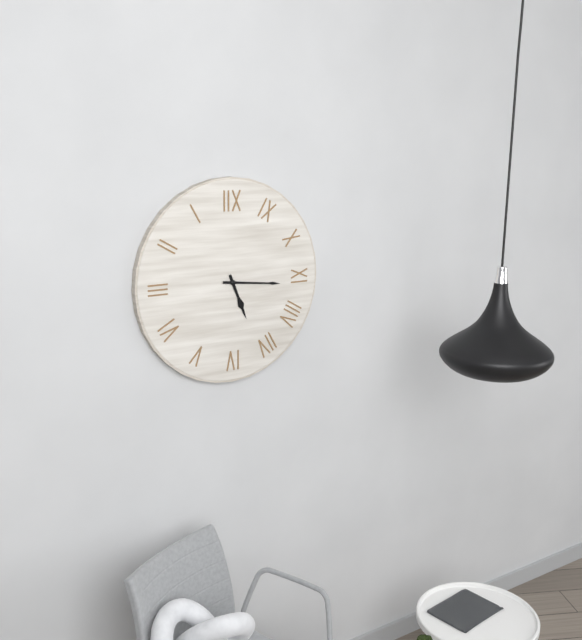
5:16
